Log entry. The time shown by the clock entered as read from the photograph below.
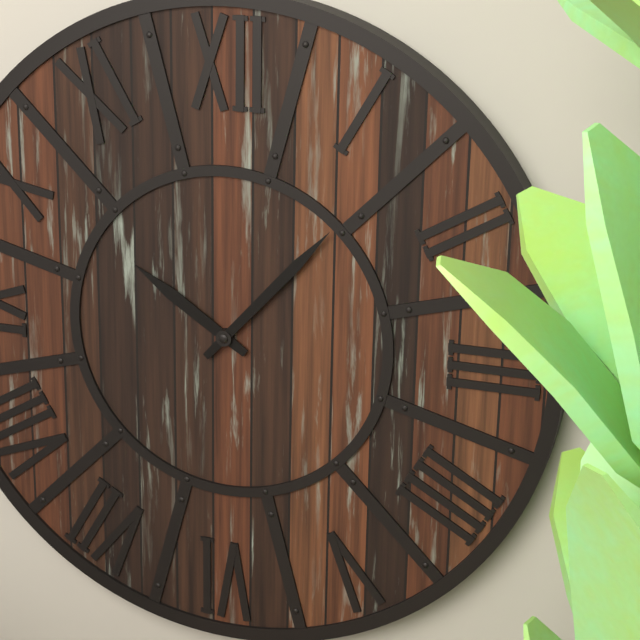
10:07
